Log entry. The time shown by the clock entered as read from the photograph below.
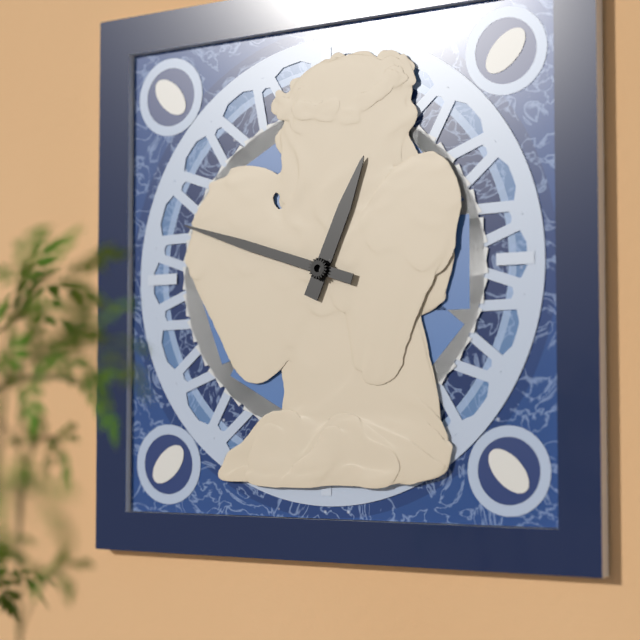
12:48
